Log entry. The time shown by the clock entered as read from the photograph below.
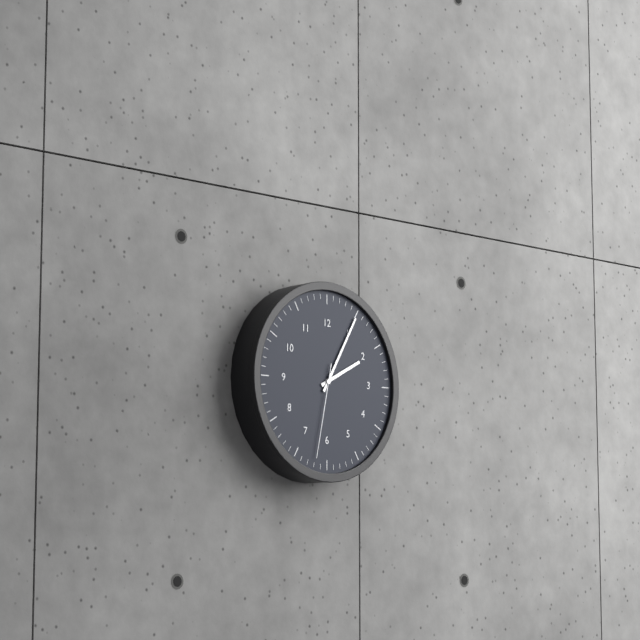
2:05:32
